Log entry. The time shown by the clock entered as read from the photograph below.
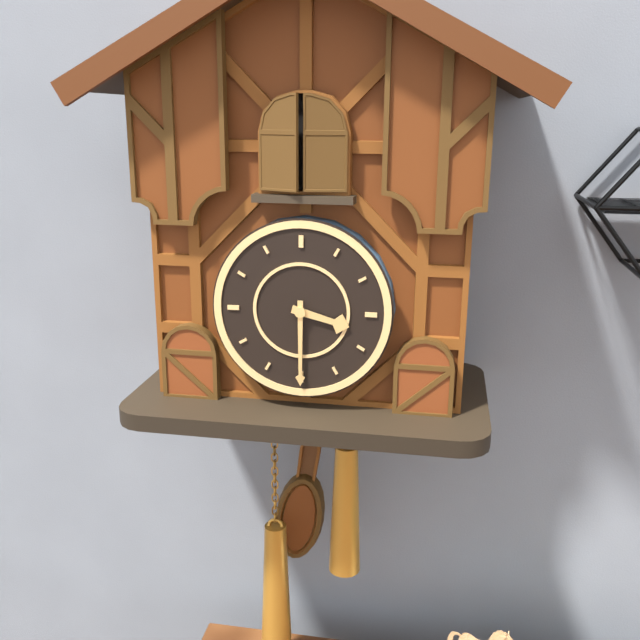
3:30
